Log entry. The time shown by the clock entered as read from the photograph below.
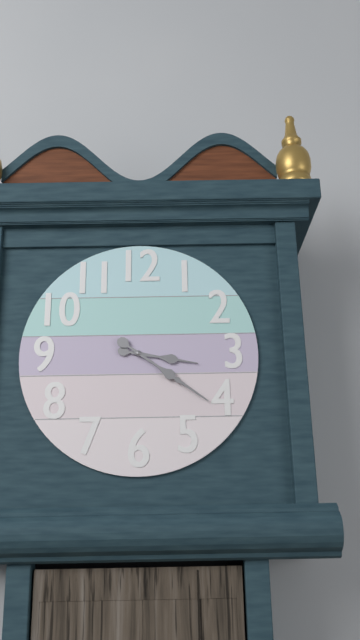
3:21
